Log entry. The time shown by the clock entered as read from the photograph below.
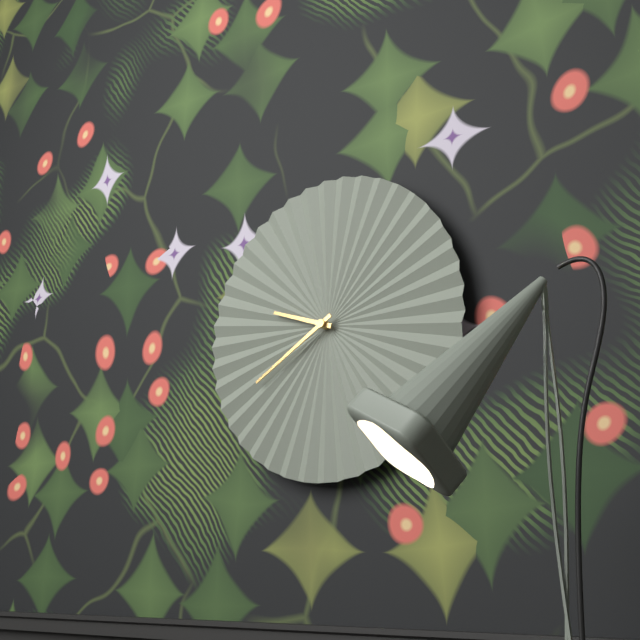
9:40
